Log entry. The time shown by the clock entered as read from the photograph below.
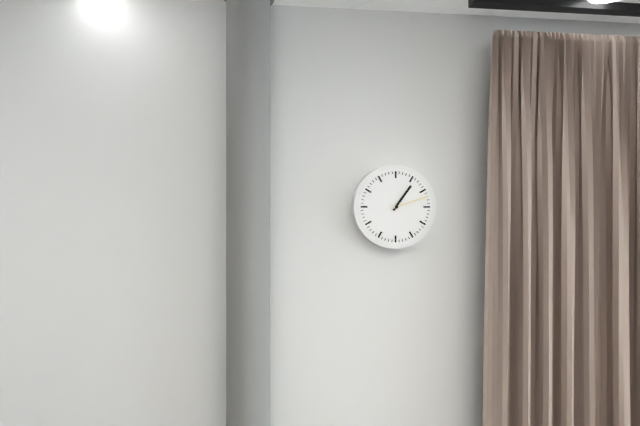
1:12
